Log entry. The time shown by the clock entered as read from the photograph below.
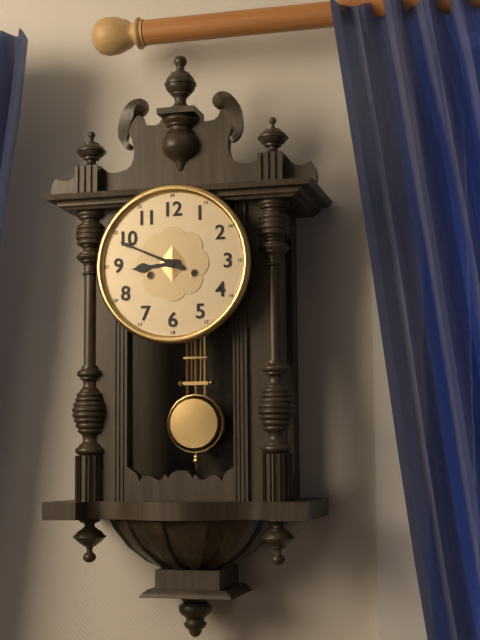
8:49
